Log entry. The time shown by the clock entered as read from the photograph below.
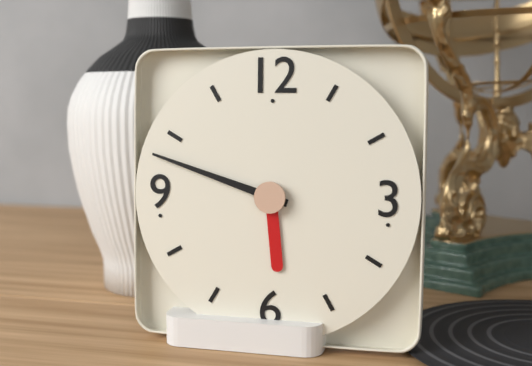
5:48
